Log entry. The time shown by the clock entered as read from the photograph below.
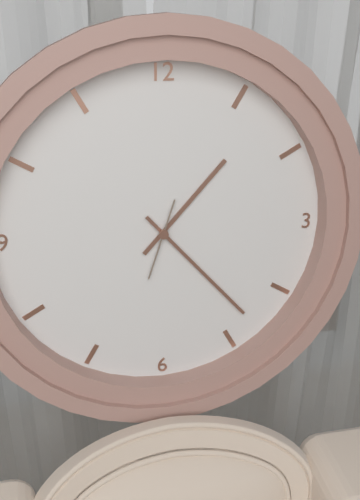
1:23:33
